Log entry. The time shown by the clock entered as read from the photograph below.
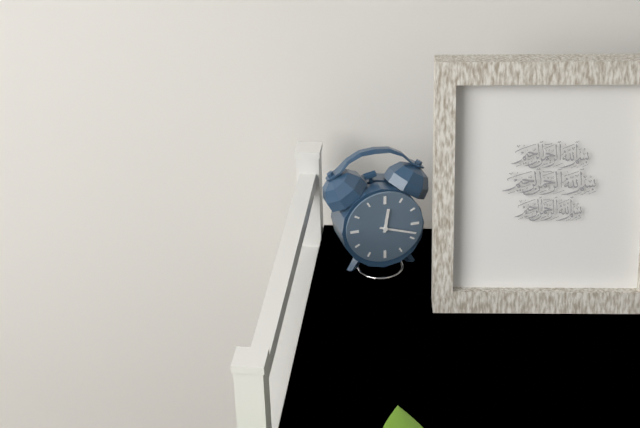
12:18
